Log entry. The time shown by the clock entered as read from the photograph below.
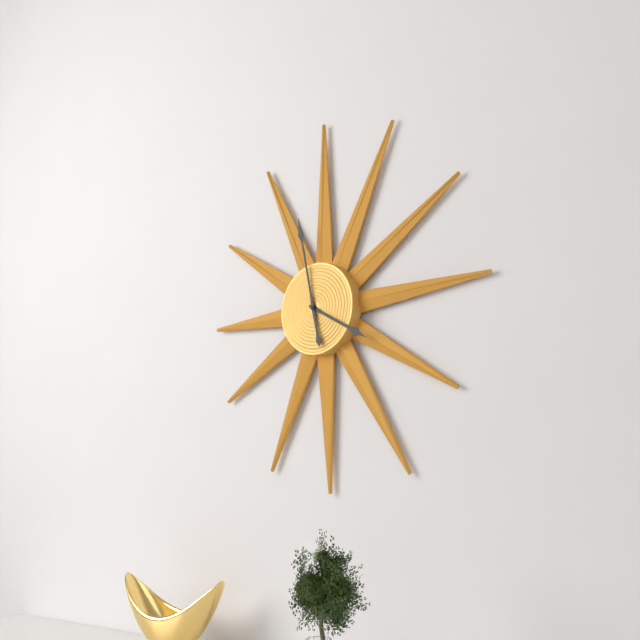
3:58
